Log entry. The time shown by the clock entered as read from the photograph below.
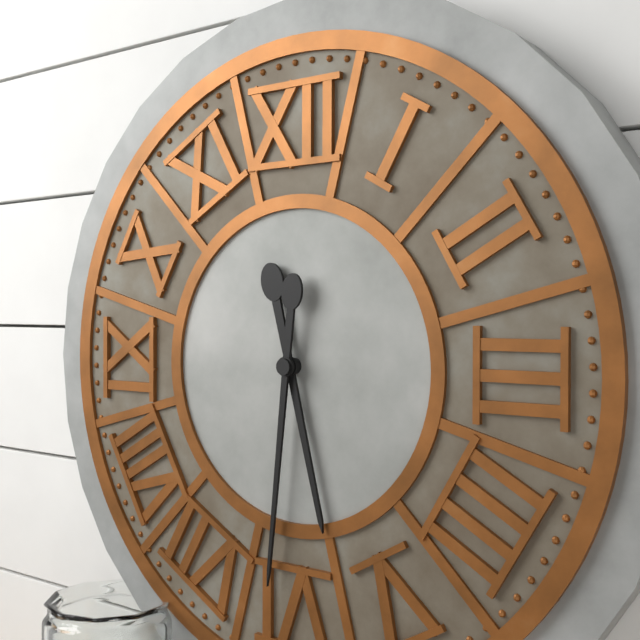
5:31
